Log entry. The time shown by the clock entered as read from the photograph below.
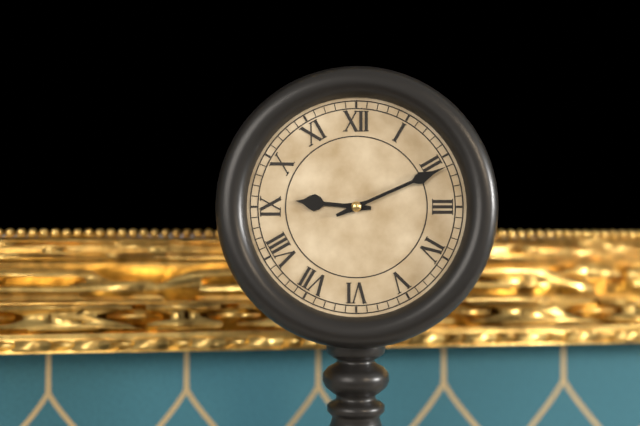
9:11
